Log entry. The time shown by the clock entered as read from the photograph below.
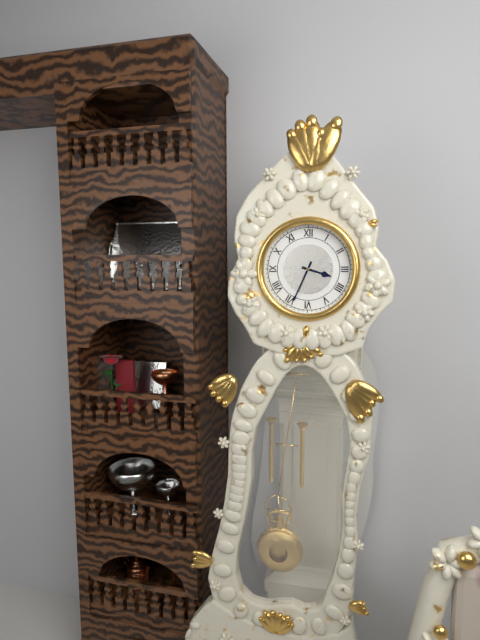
3:34
